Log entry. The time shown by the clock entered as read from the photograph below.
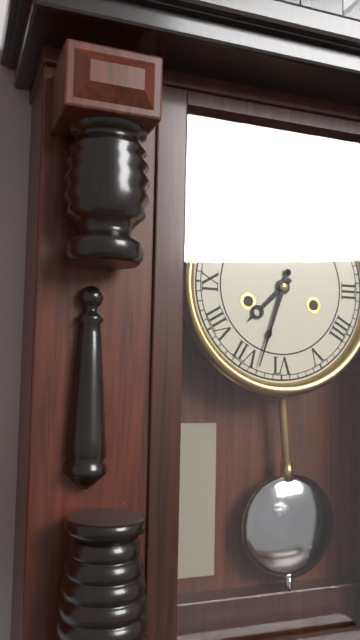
7:33
